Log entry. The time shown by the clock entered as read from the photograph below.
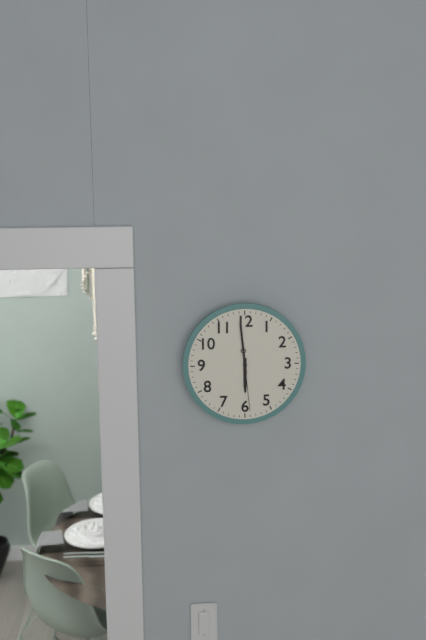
5:59:29
